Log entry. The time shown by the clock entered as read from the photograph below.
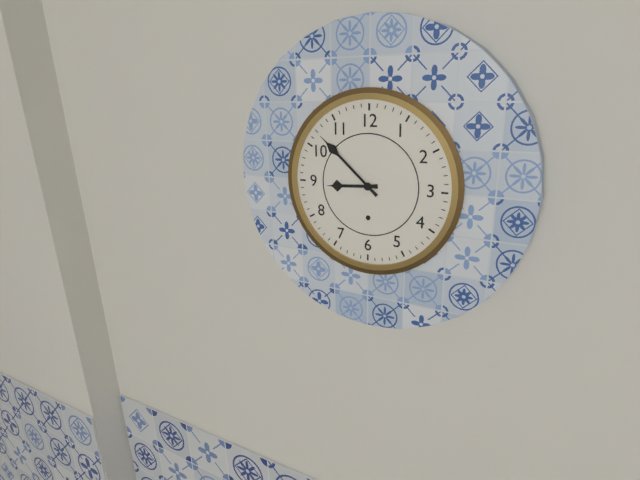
8:52
